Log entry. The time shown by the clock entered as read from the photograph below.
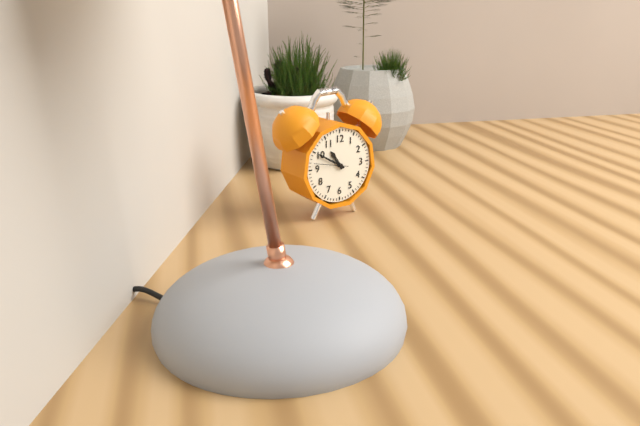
10:50
